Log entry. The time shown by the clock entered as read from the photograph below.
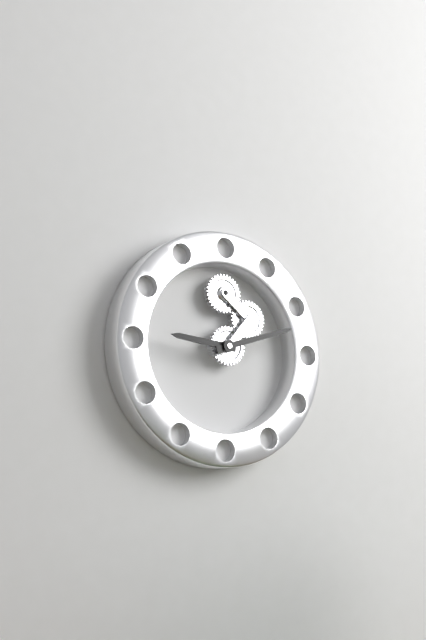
9:12
